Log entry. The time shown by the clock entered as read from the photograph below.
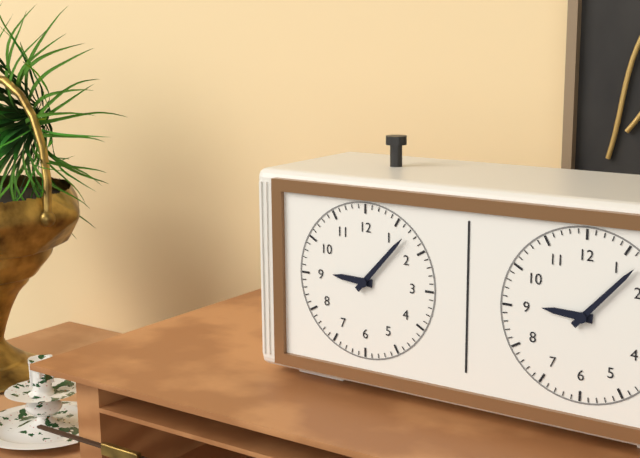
9:07
